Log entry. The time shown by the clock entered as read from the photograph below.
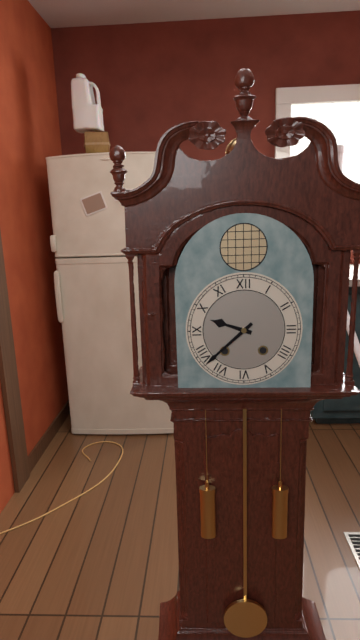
9:38
